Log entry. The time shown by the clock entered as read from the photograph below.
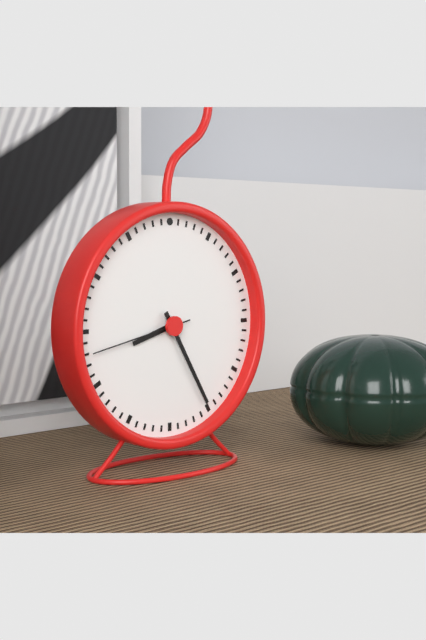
8:25:43
